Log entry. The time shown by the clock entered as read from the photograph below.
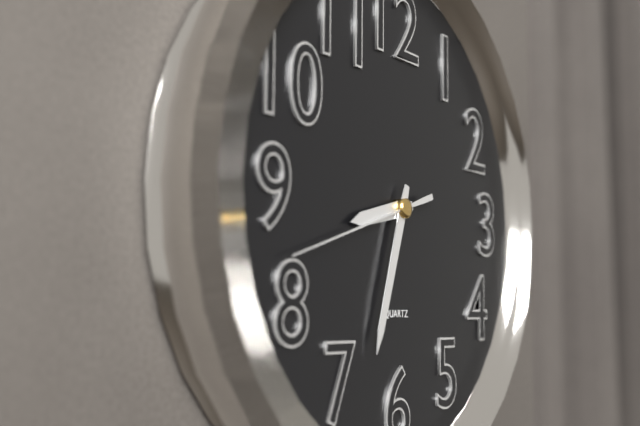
8:33:42
